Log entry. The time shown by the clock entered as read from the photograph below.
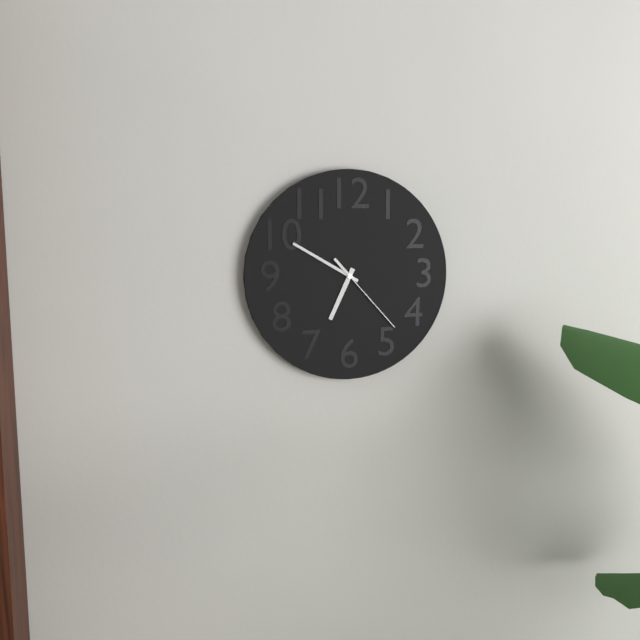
6:50:23
